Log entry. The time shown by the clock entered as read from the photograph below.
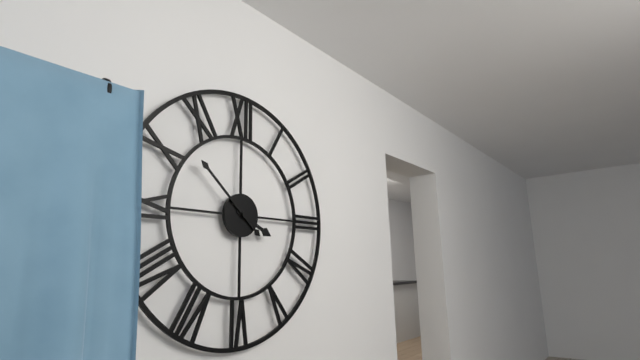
3:52
